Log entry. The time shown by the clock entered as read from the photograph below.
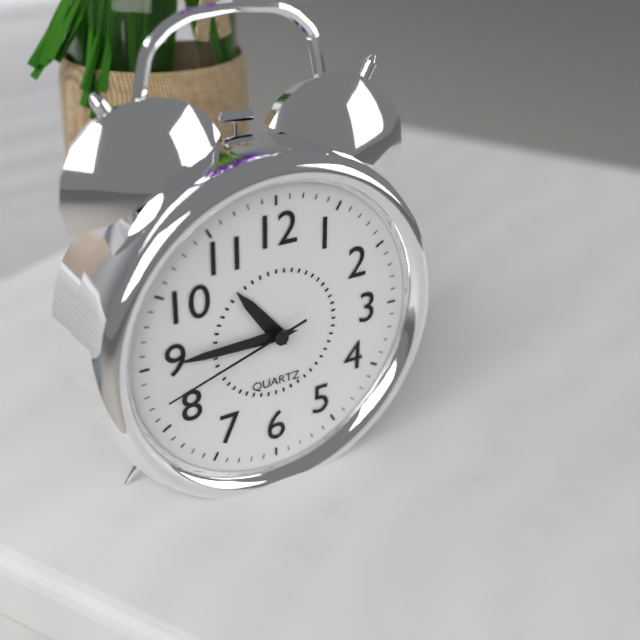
10:45:42
